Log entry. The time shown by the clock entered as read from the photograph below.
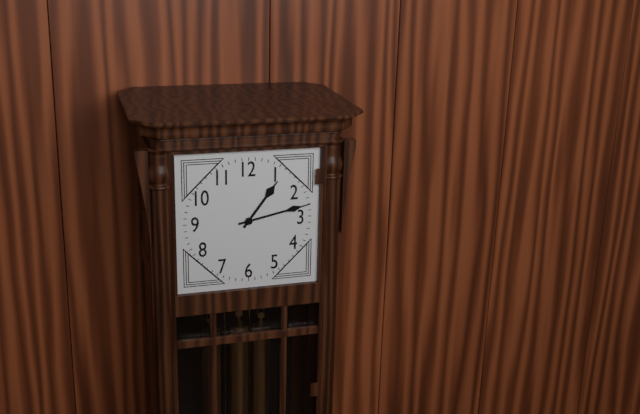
1:13
